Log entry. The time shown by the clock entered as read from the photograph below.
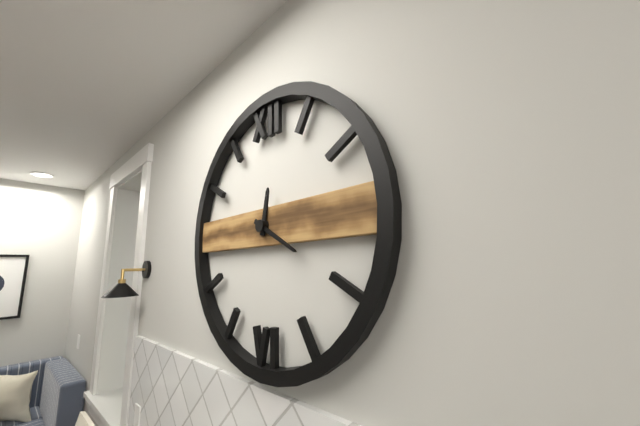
12:20
